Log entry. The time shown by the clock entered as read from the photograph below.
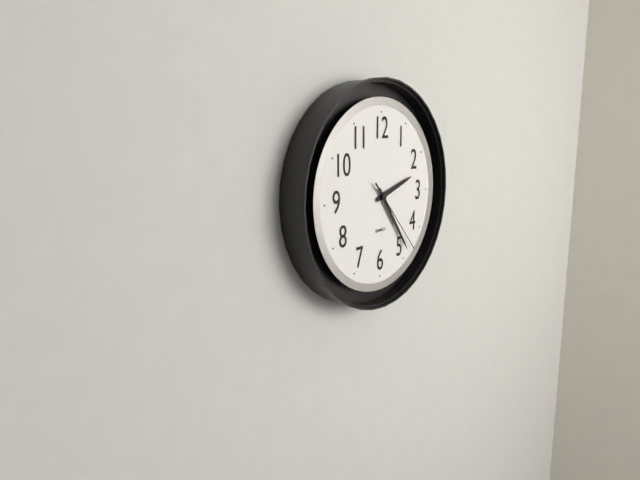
2:24:23
